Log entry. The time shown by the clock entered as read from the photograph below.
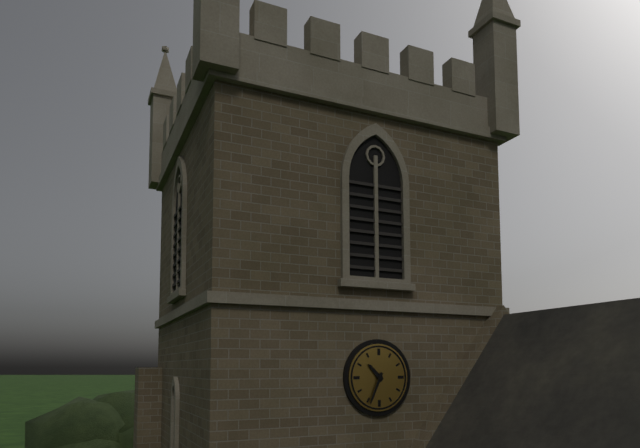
10:34
